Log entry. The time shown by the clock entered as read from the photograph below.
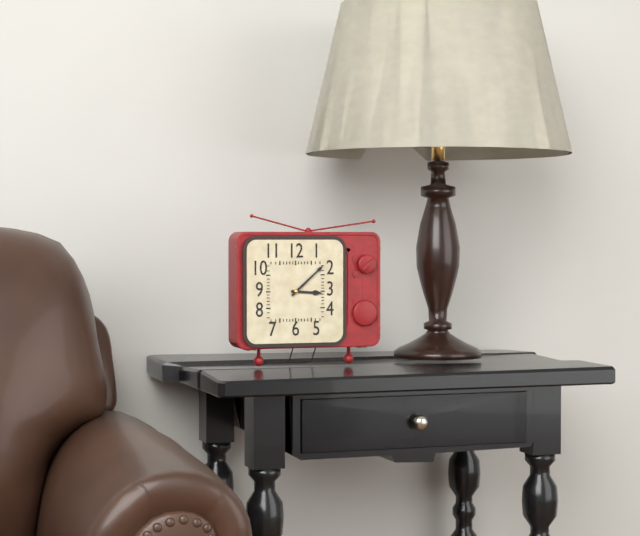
3:08
